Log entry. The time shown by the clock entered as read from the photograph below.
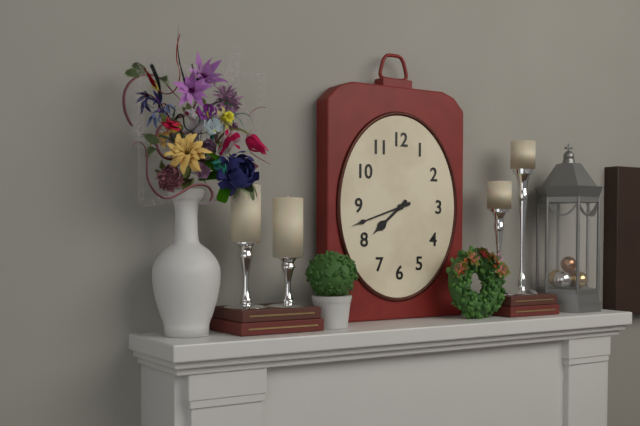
7:42
